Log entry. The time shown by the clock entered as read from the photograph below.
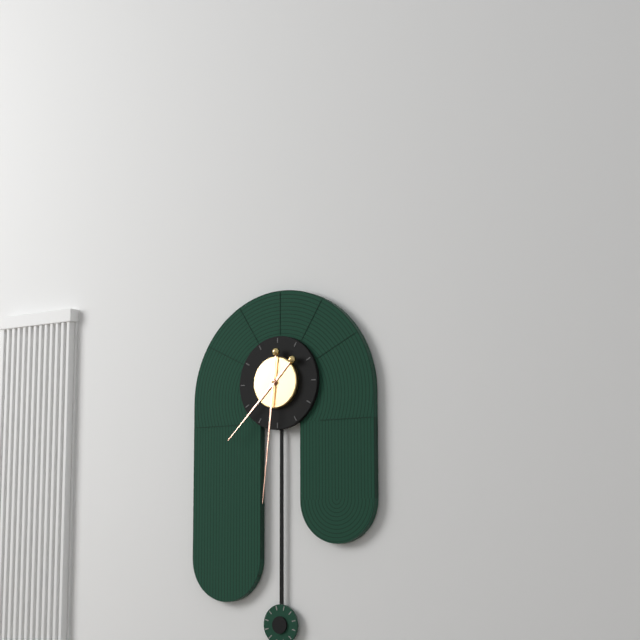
7:31
